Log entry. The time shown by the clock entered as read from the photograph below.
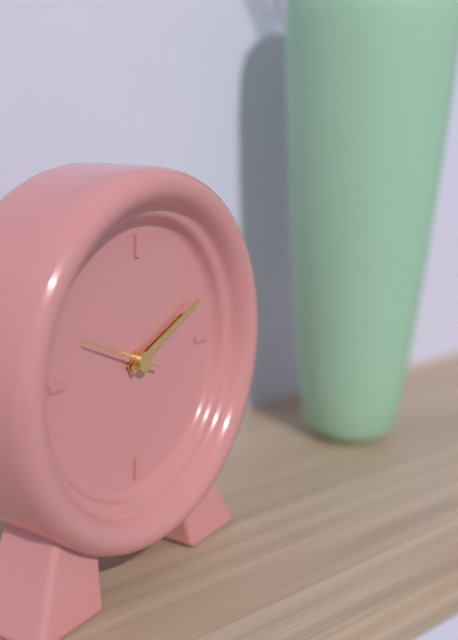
2:11:49
